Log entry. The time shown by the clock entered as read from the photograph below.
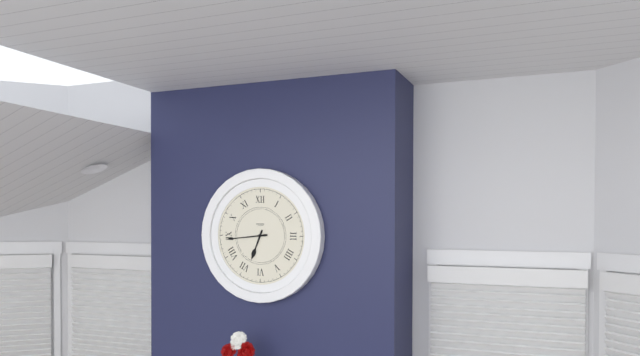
6:44
